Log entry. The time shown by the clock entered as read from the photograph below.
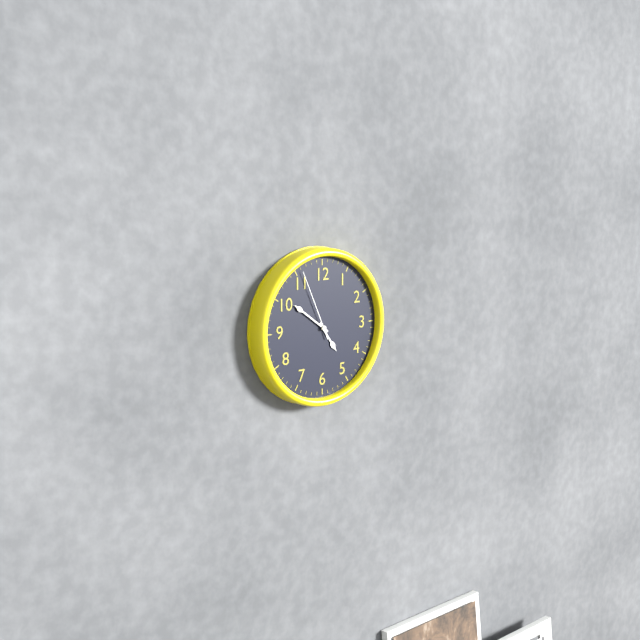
4:51:56
